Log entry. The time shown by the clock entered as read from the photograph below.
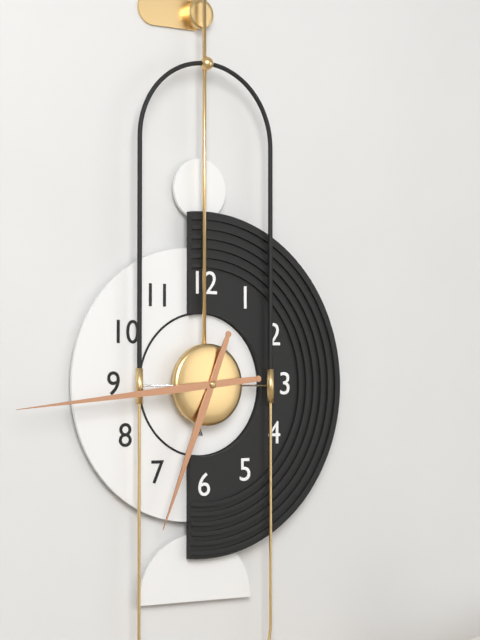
6:44
